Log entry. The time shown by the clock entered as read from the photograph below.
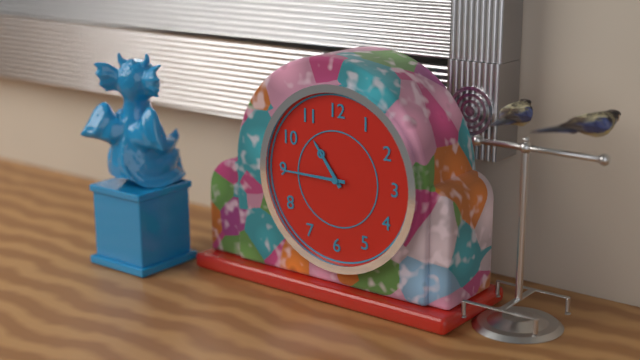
10:45
